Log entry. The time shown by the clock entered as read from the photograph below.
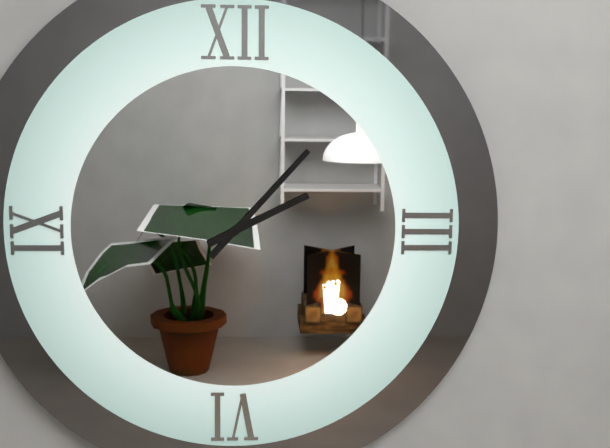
2:07
